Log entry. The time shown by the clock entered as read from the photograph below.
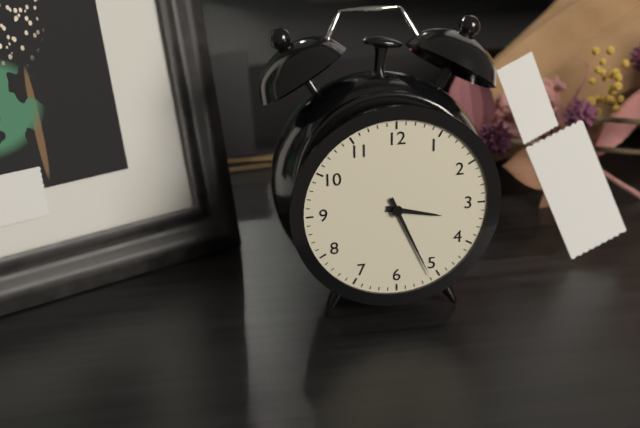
3:26
